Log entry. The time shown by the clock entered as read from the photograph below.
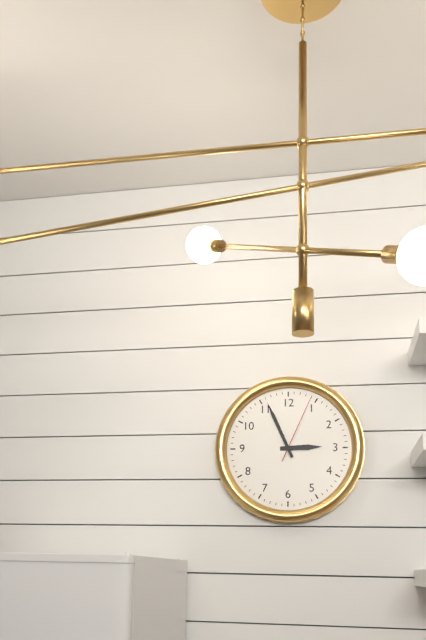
2:56:04
